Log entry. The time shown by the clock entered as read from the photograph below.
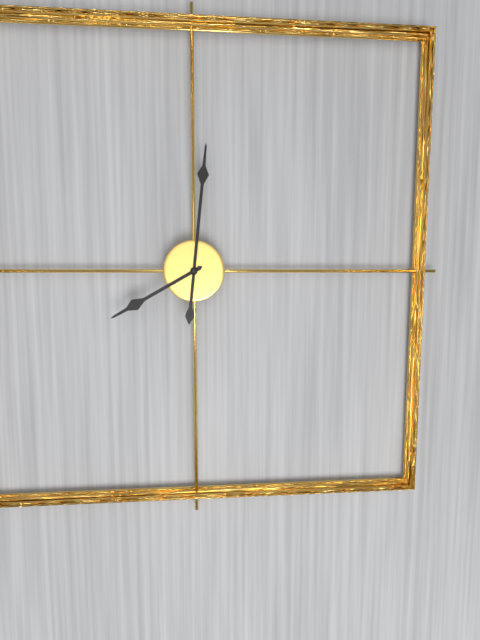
8:01
